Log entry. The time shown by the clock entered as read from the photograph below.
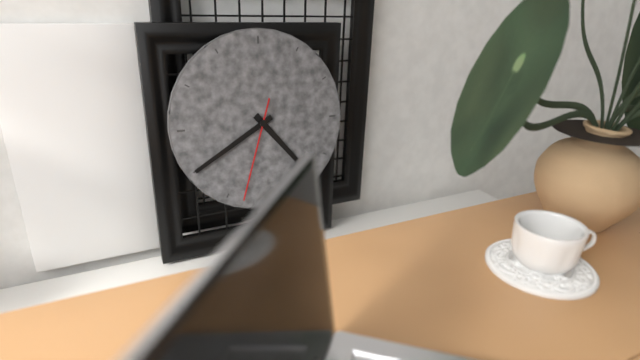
4:40:33
